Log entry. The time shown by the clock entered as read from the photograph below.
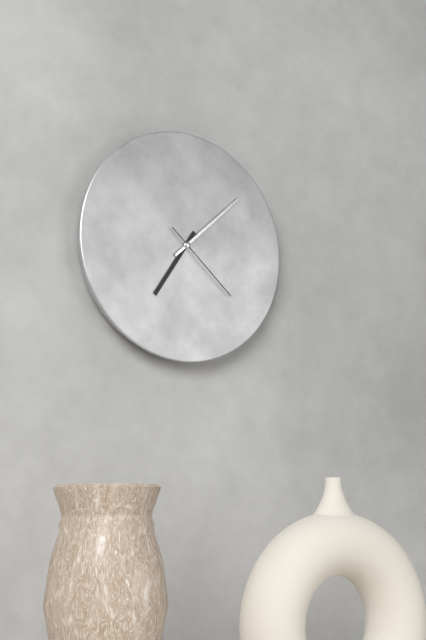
7:08:22
